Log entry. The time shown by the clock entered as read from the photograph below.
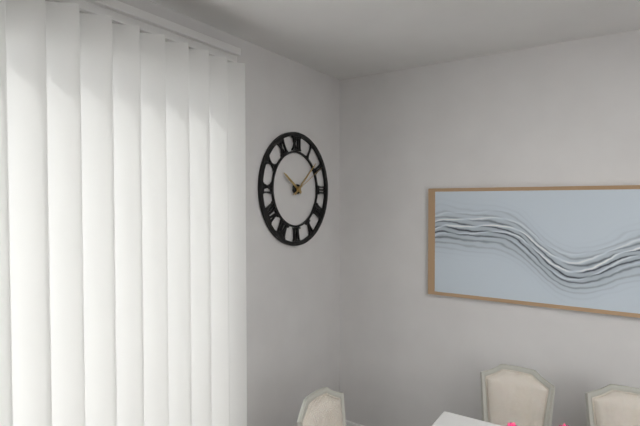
10:08
